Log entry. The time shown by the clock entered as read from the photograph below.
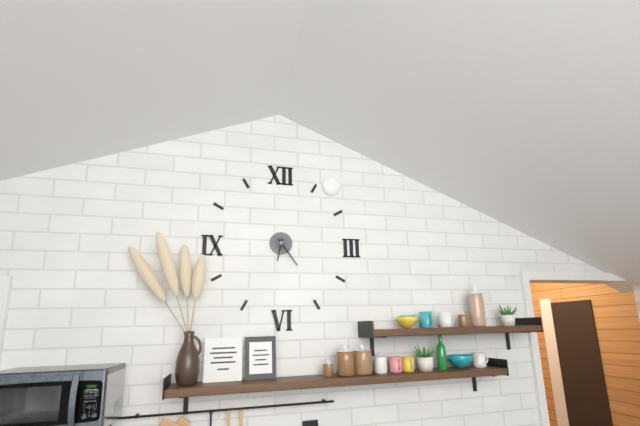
6:24
